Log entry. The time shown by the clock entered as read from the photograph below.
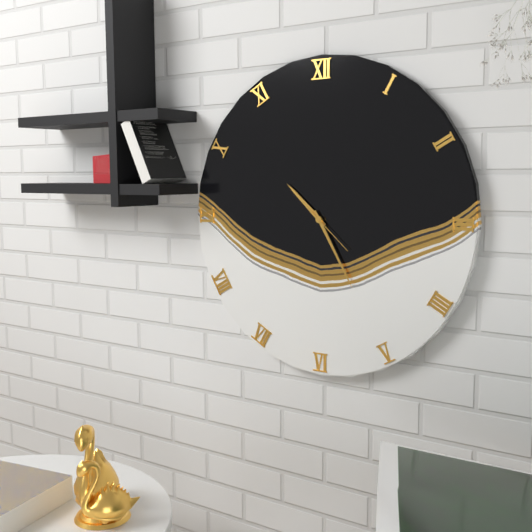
10:25
